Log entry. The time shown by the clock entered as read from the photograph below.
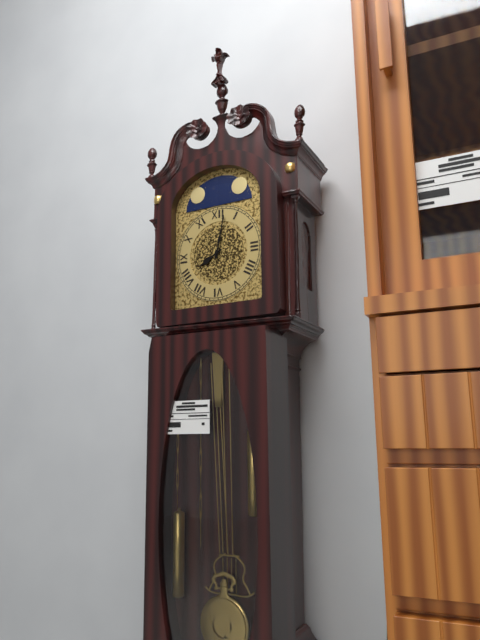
8:02
